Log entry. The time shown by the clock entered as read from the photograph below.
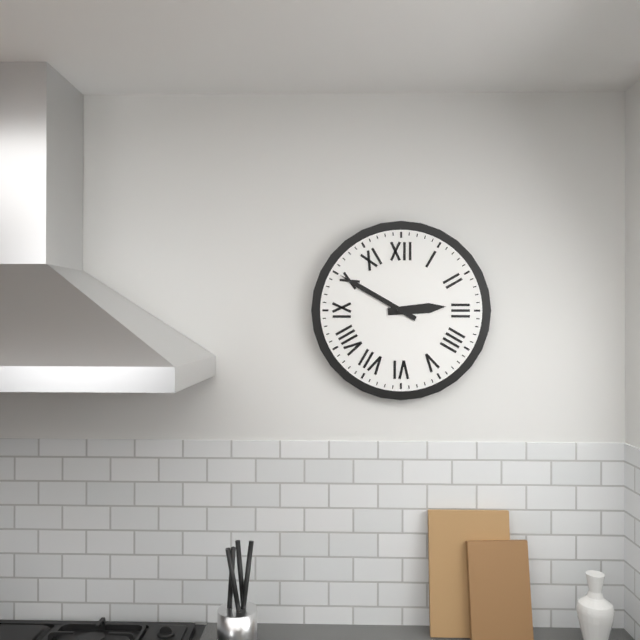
2:50
